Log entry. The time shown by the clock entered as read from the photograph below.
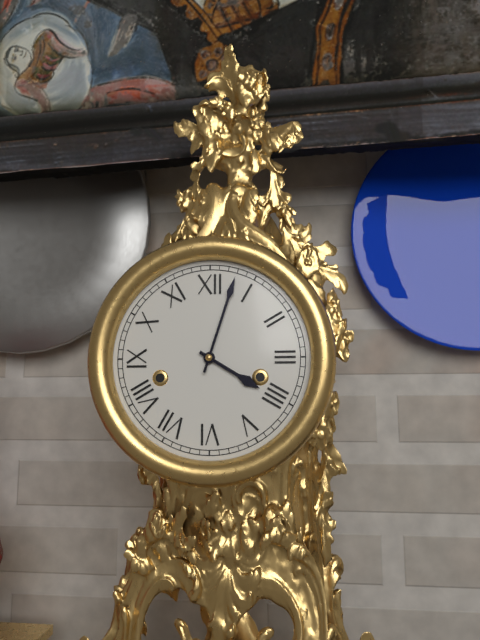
4:03
